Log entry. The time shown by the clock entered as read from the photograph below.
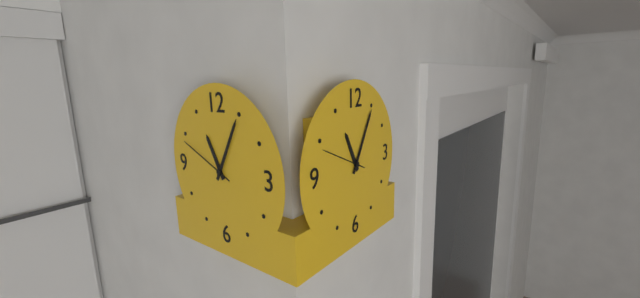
11:05
